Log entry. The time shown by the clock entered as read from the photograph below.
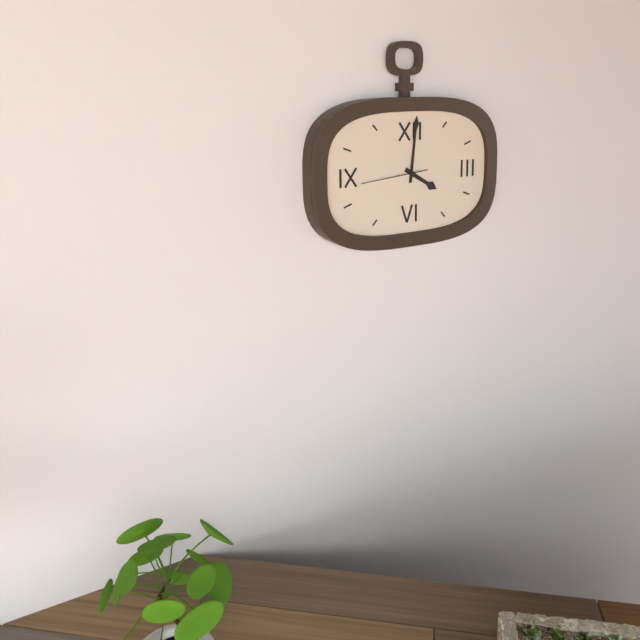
4:01
